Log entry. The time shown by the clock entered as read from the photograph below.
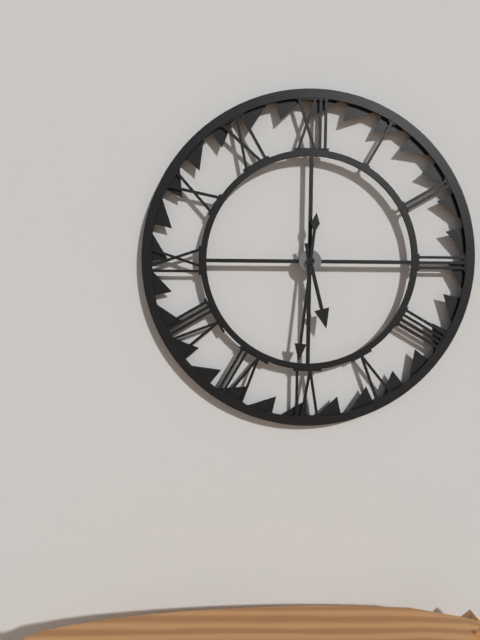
5:31
